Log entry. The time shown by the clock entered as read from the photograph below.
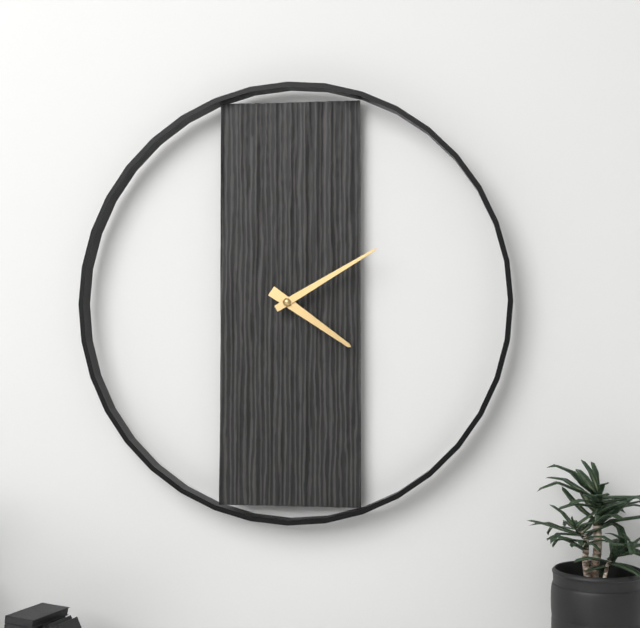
4:10
